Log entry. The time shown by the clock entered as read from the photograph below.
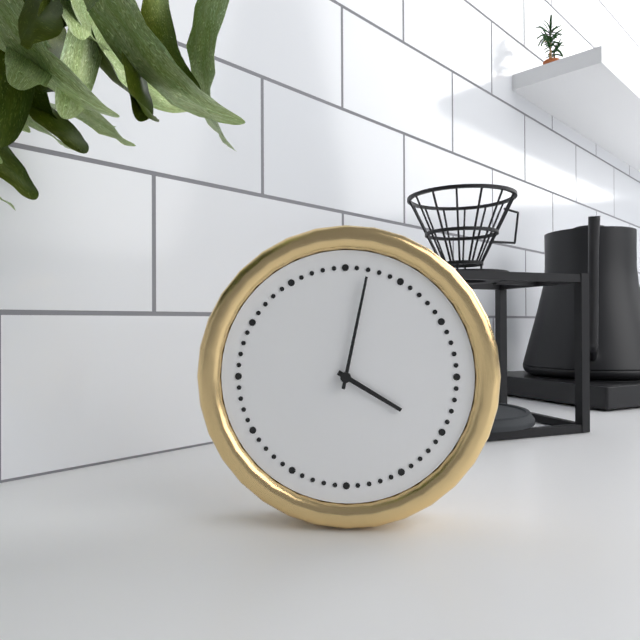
4:02
